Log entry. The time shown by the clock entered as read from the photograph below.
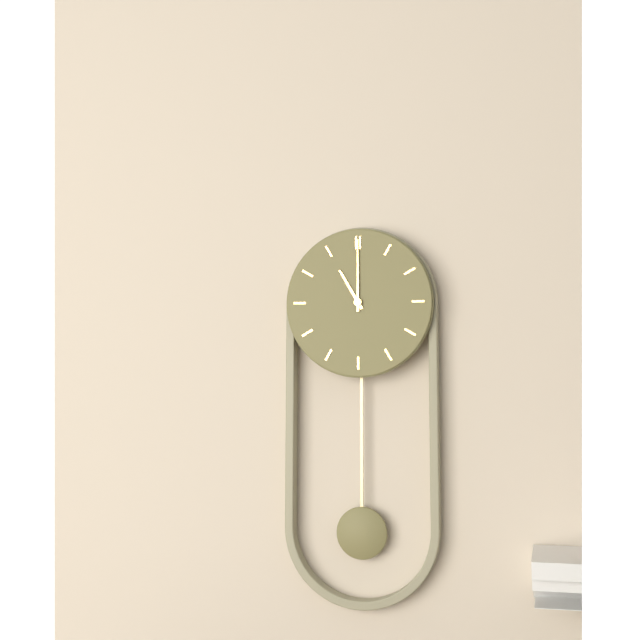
11:00
